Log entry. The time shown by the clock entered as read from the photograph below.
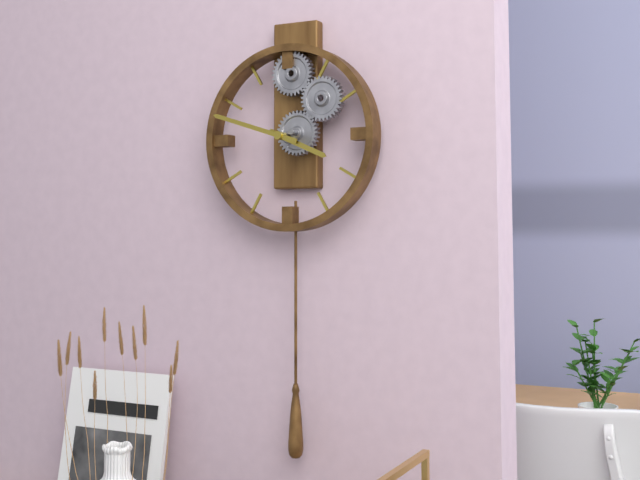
3:48
